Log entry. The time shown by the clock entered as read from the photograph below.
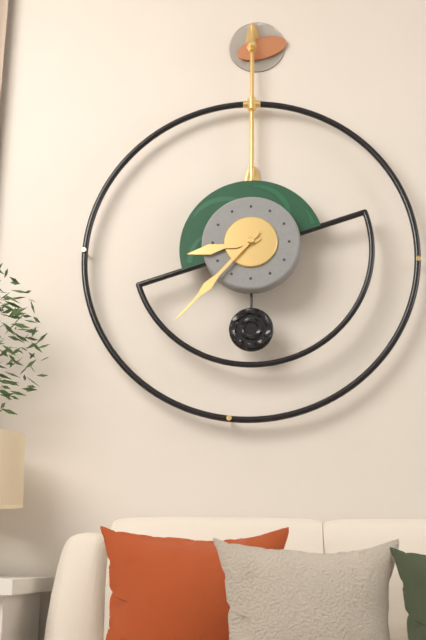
8:37
